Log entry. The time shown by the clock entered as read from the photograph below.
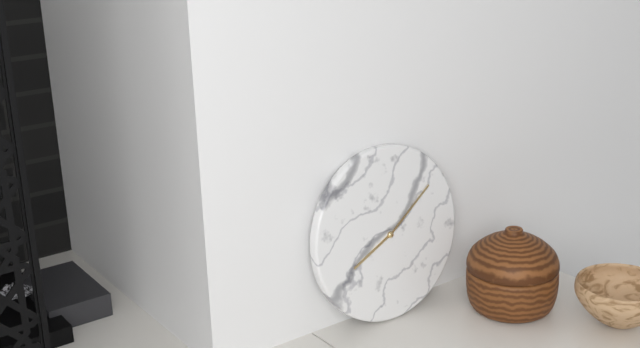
8:09
